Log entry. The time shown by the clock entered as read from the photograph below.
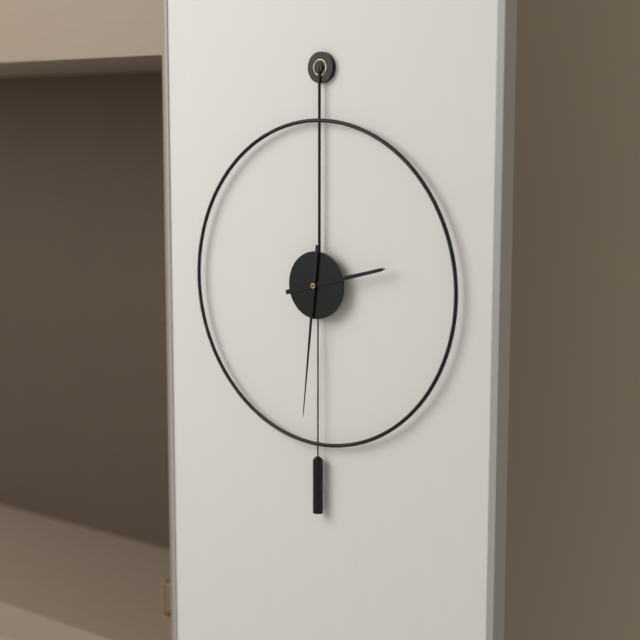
2:31
